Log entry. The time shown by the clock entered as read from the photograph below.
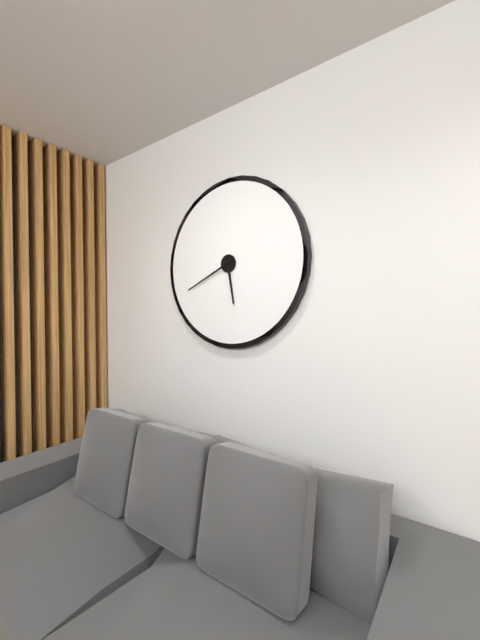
5:41
